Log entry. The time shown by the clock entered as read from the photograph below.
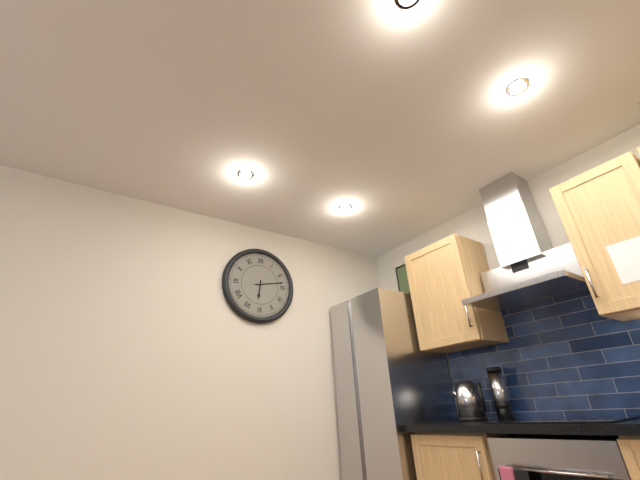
6:13
